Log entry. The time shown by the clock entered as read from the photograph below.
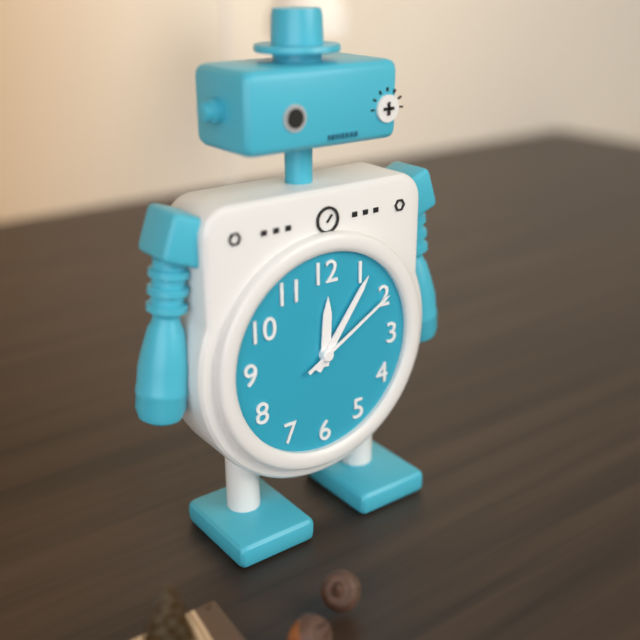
12:06:10
